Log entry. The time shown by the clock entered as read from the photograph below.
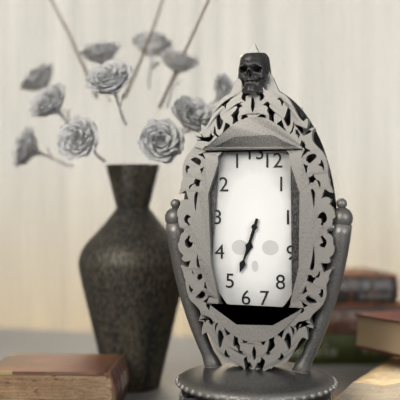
6:33
